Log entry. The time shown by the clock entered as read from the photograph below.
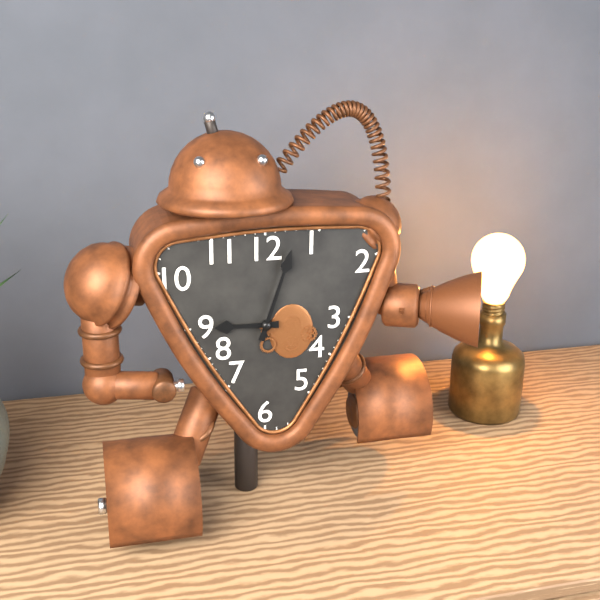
9:03
